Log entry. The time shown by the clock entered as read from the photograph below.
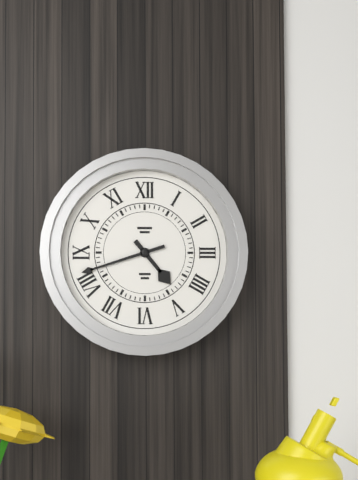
4:42
